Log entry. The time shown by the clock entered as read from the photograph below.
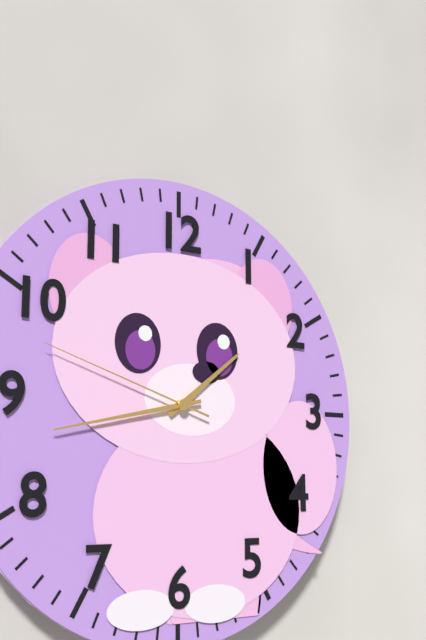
1:43:48
